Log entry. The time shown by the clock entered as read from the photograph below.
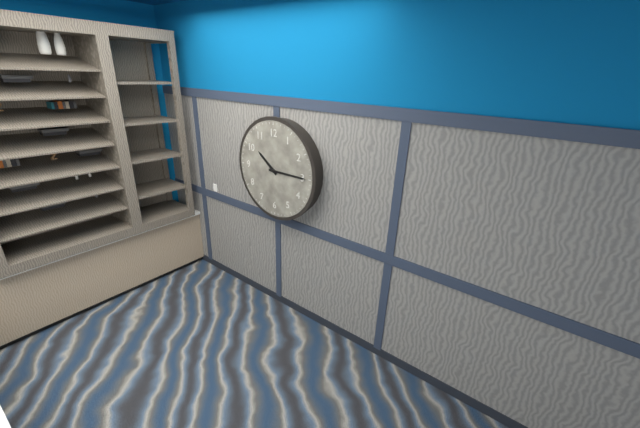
10:15
